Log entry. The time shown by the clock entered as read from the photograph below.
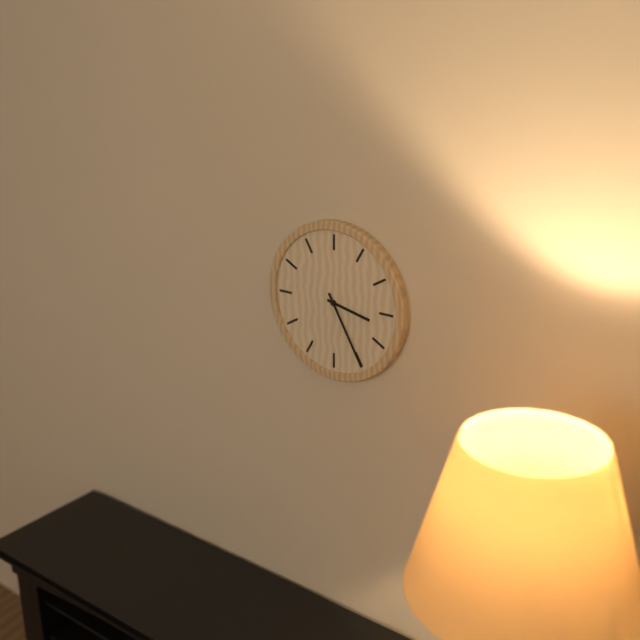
3:25
